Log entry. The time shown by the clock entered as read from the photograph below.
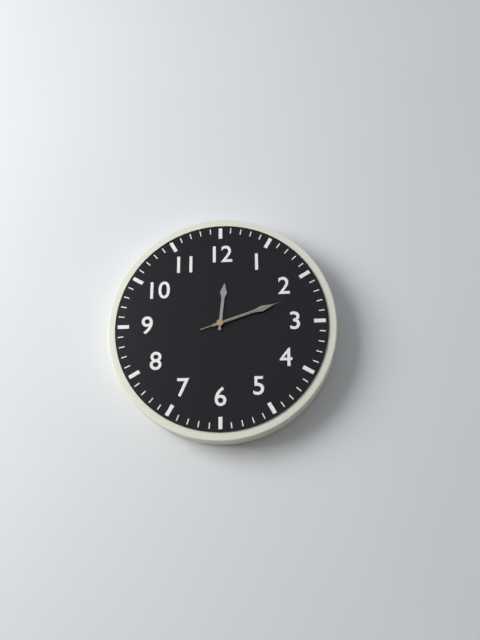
12:12:12
